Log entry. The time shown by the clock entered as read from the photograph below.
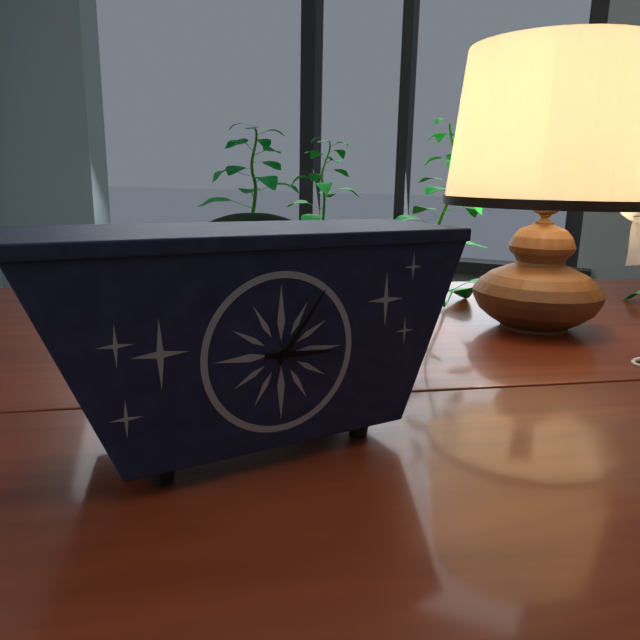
3:06
